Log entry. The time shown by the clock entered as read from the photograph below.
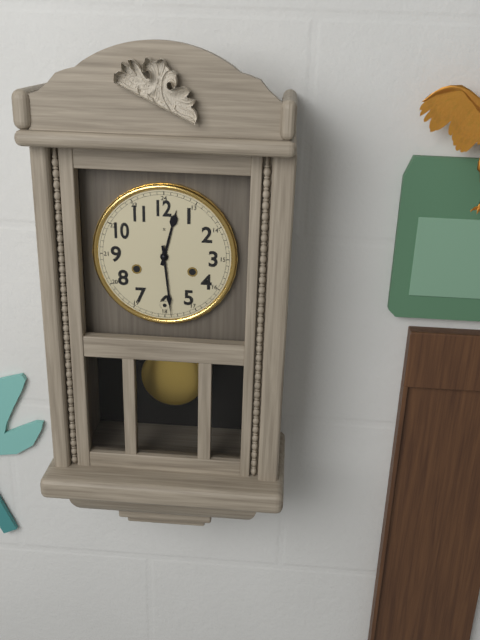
12:29
